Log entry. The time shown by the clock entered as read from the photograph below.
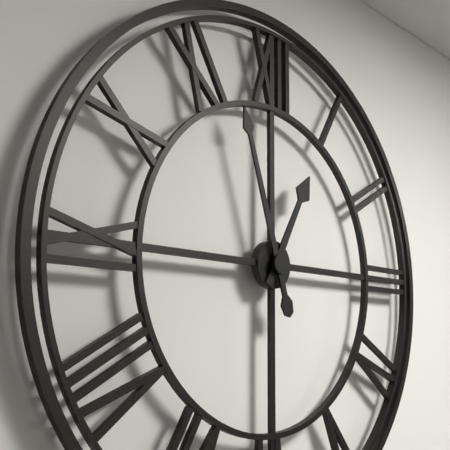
12:57
